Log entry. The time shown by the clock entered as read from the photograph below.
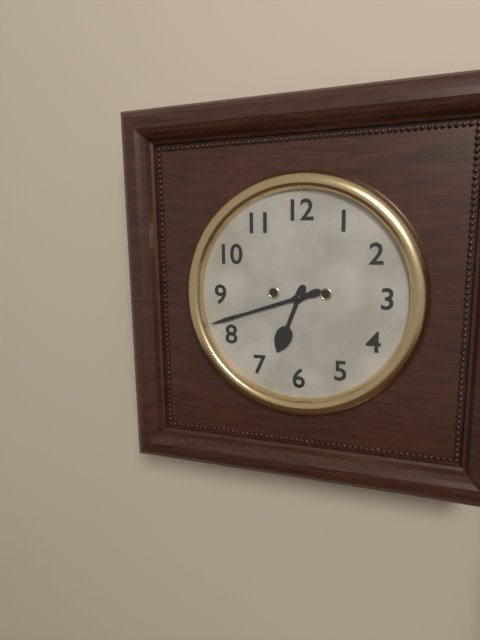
6:42
